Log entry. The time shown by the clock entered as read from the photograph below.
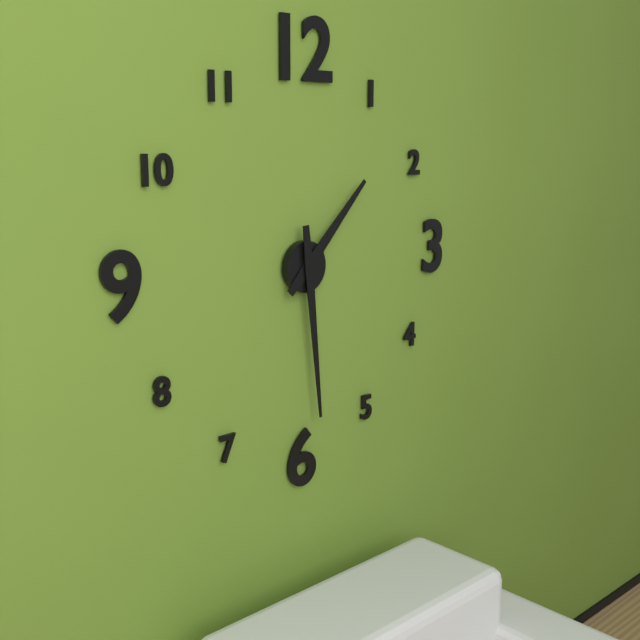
1:29
